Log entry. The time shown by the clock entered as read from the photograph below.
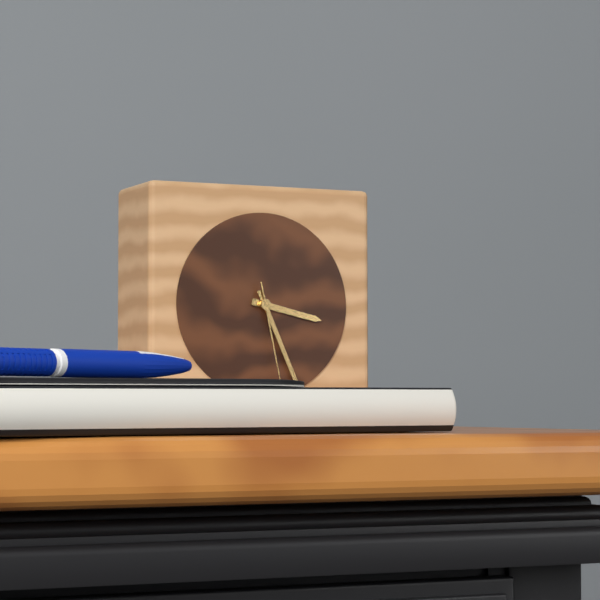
3:26:28
